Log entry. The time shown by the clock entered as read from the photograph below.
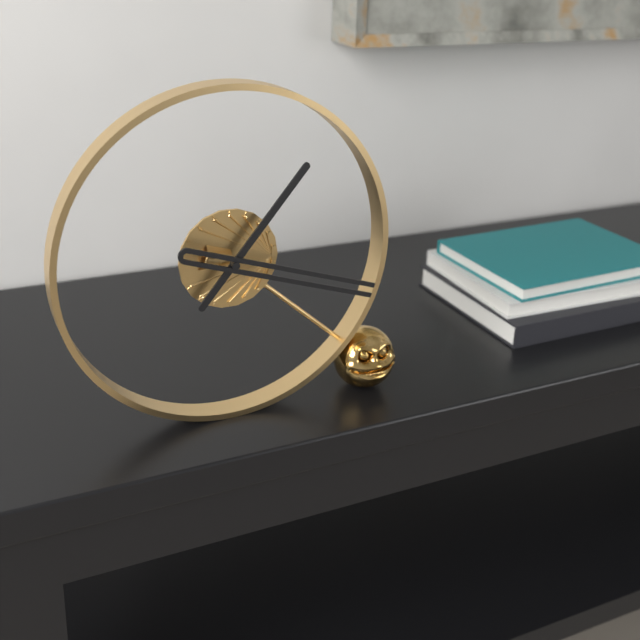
1:18
